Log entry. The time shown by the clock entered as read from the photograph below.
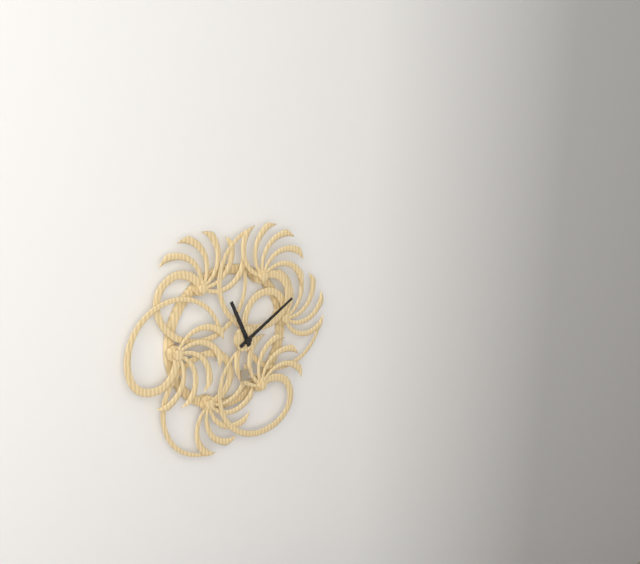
11:10
